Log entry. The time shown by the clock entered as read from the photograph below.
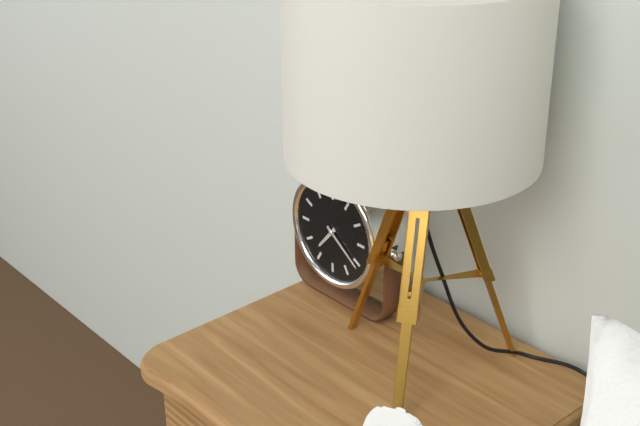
7:21
